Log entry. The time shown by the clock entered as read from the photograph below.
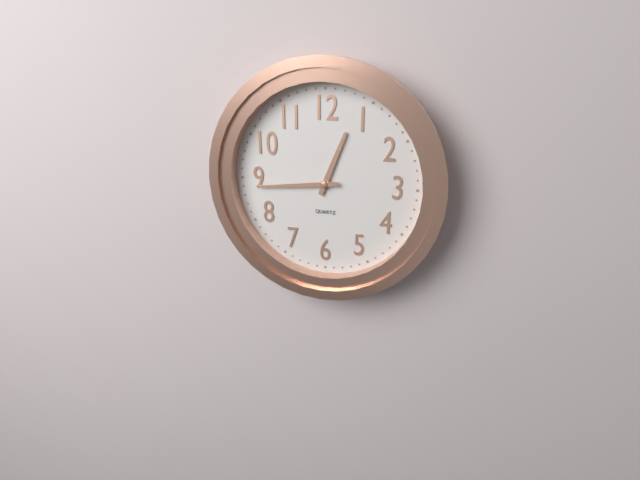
12:44
